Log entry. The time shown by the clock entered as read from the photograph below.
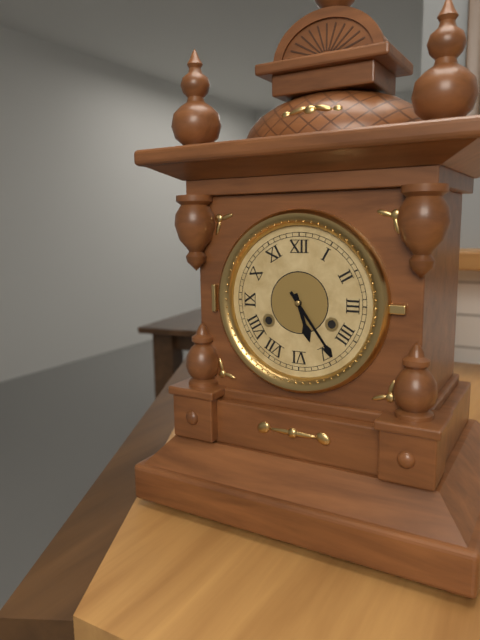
5:24
